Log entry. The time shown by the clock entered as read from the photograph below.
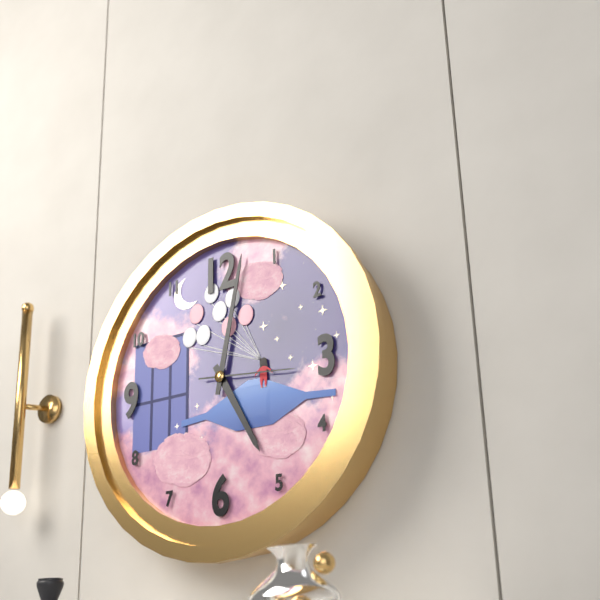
5:02:16
